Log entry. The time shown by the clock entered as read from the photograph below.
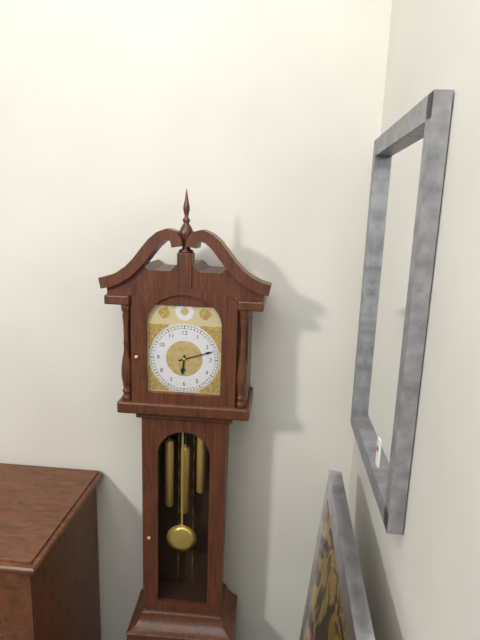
6:12
